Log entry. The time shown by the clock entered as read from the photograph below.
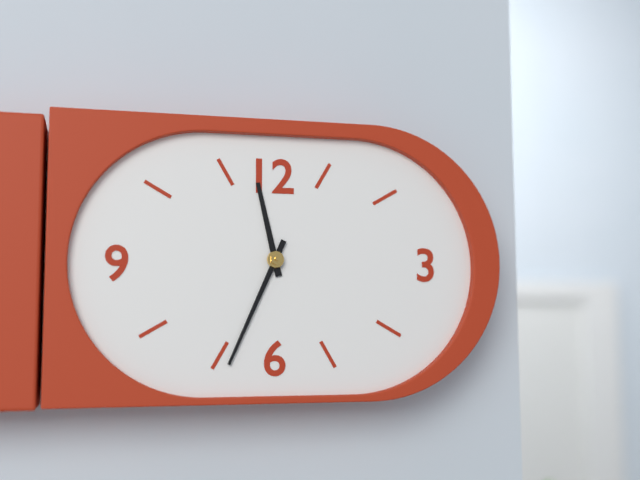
11:34
